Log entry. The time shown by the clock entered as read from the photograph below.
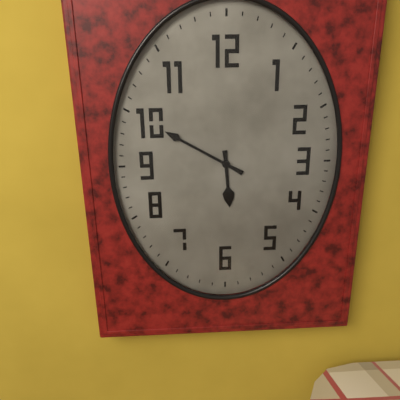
5:50
